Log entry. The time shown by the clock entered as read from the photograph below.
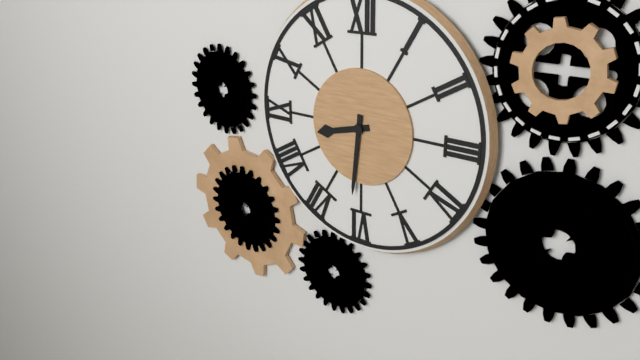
8:31
